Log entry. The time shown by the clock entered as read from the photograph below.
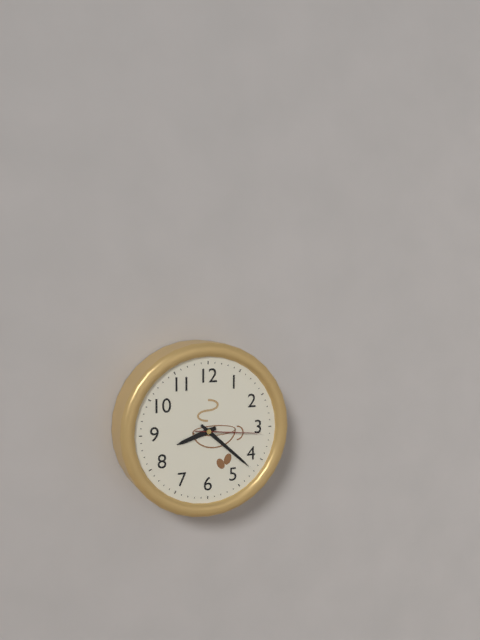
8:22:16
